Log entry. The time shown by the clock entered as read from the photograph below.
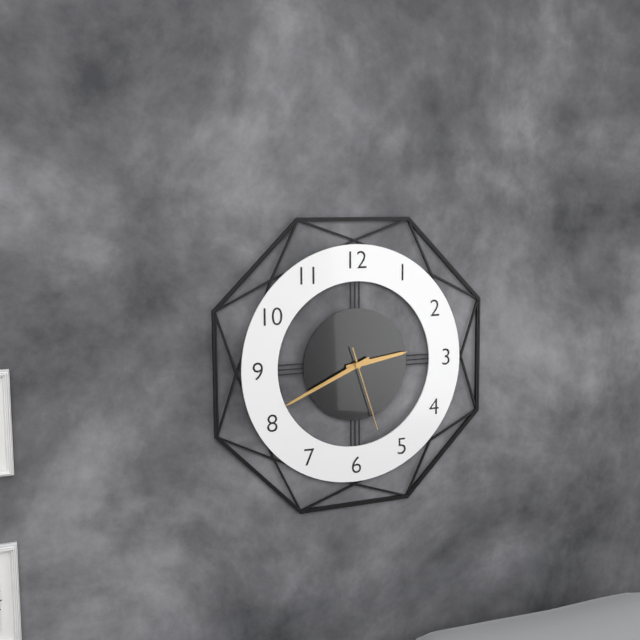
2:41:27
